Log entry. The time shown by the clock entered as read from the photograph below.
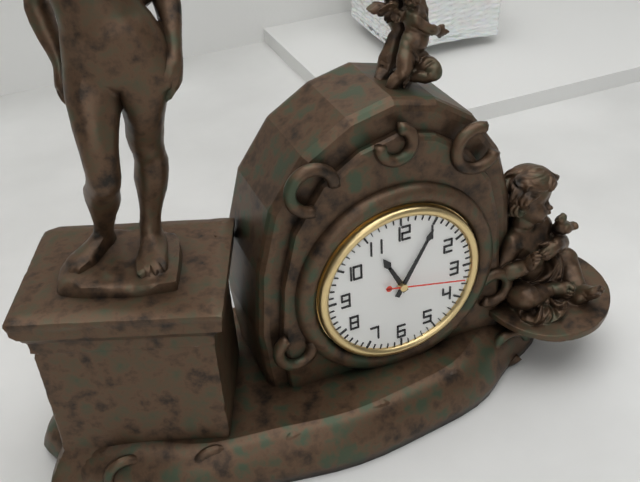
11:05:17
